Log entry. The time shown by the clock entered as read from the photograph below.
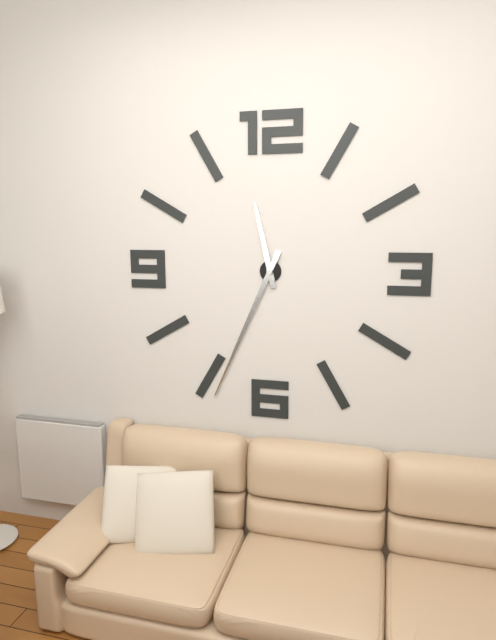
11:34
